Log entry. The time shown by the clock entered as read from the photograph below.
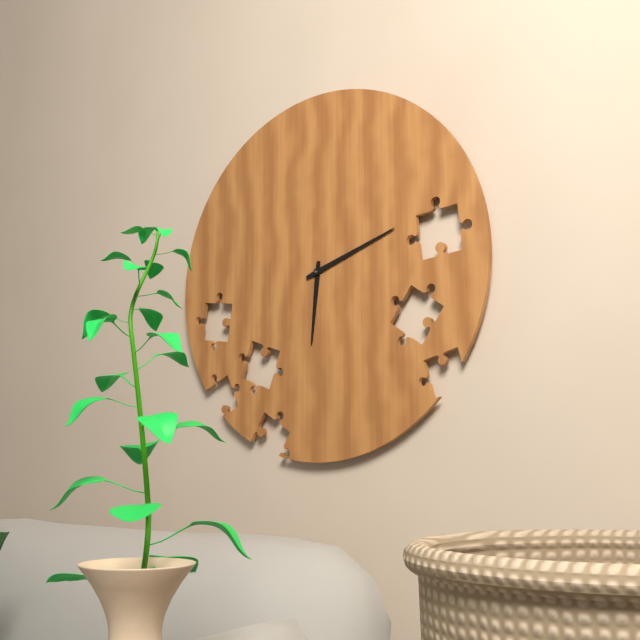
6:12
